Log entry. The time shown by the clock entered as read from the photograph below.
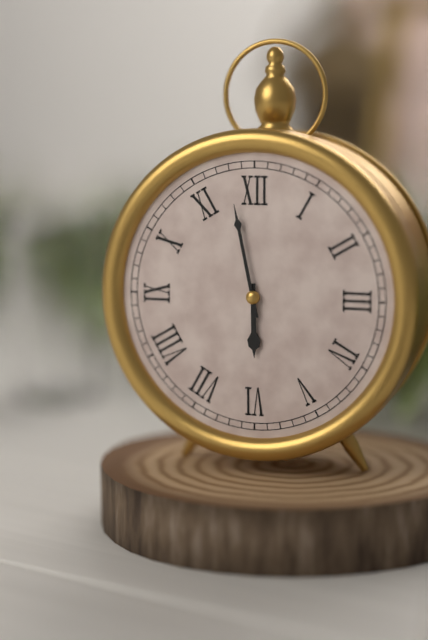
5:58
